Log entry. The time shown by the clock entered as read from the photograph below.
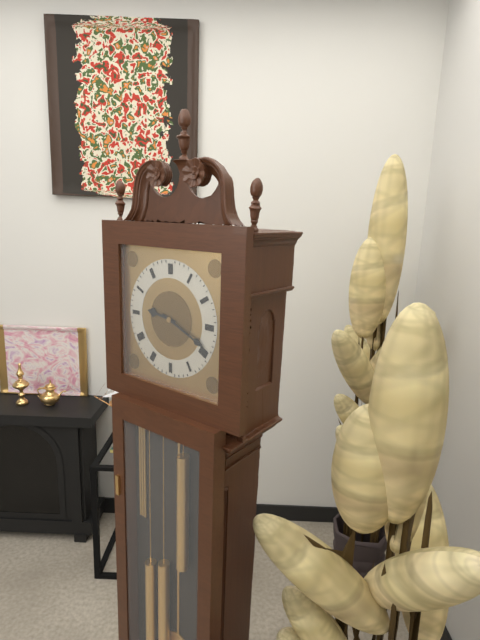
9:19
